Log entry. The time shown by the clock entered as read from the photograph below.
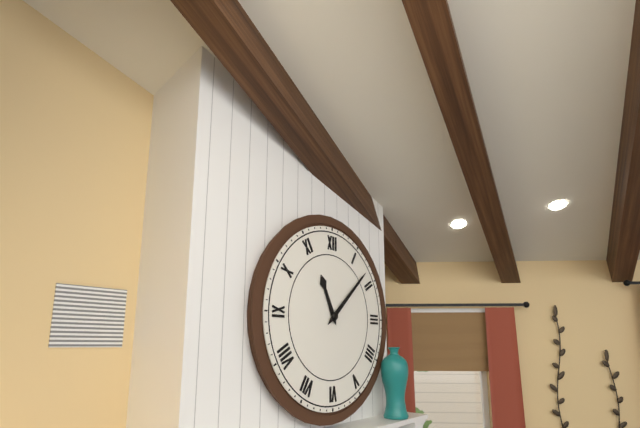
11:08
